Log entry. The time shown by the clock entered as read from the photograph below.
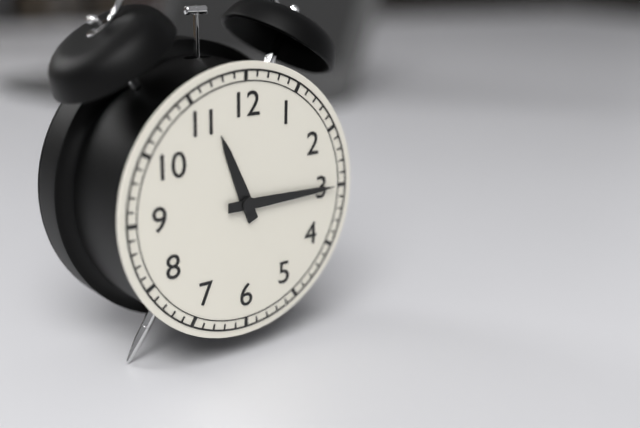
11:15
